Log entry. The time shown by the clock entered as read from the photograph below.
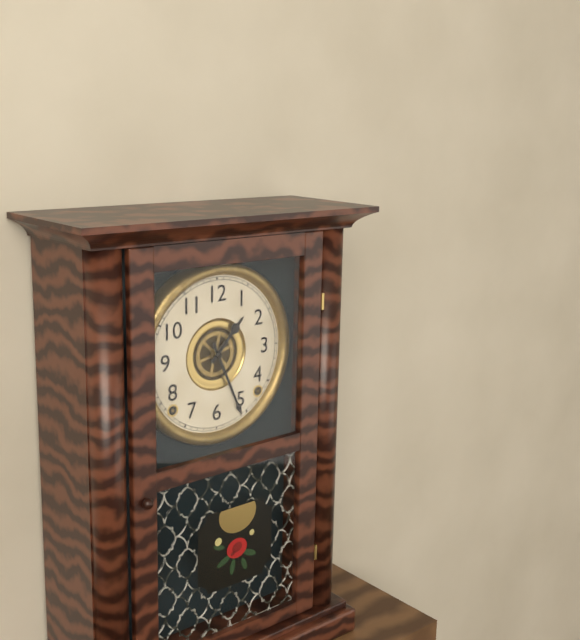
1:26
